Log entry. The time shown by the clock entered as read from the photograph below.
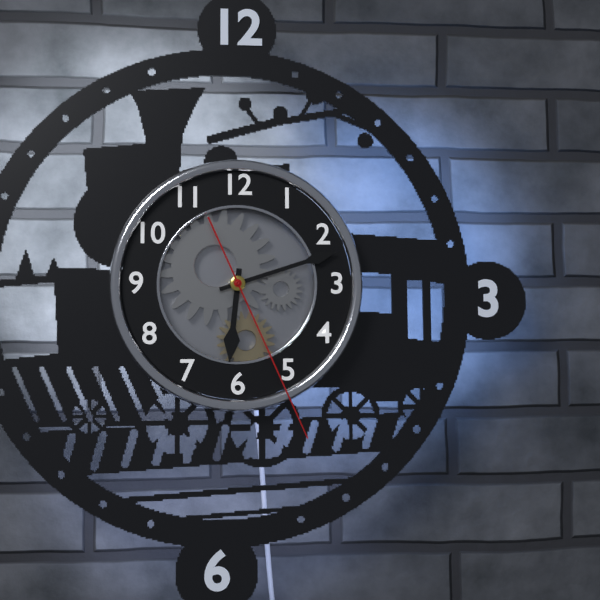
6:12:26
